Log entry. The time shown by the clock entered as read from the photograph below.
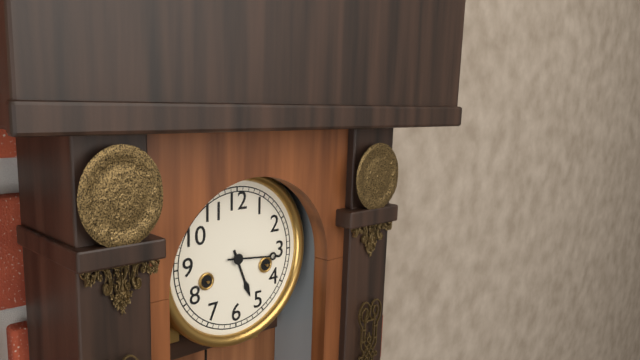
5:16
